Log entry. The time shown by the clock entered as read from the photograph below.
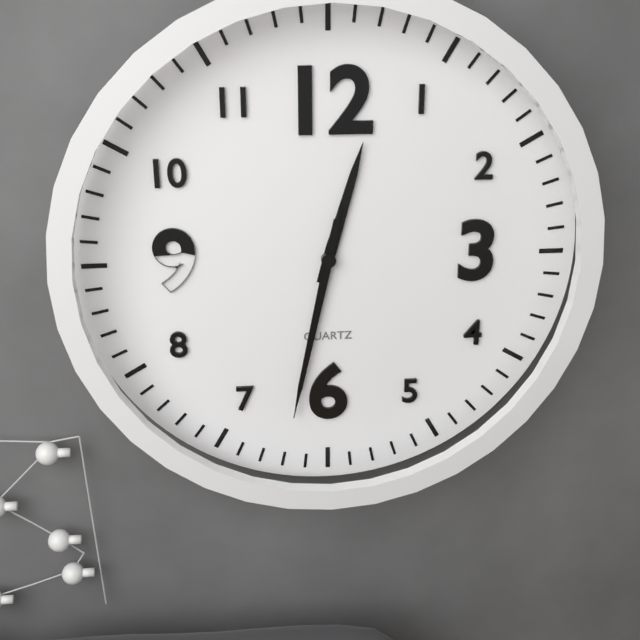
12:32:32
